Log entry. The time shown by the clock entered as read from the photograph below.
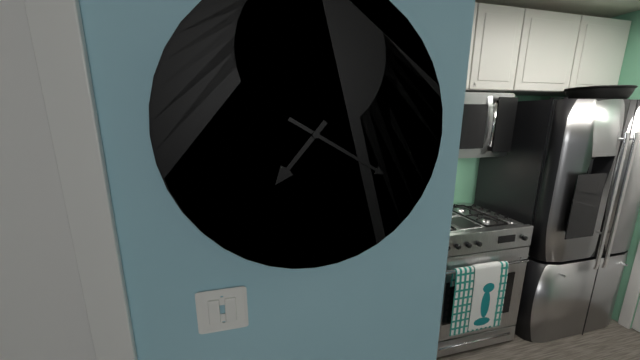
7:20
